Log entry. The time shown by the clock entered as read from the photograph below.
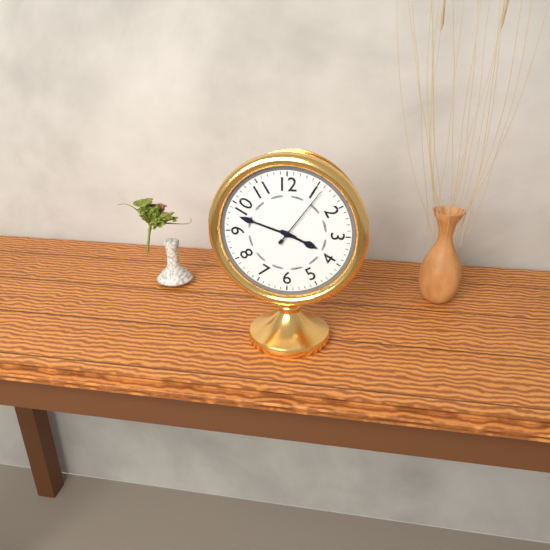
3:48:06
